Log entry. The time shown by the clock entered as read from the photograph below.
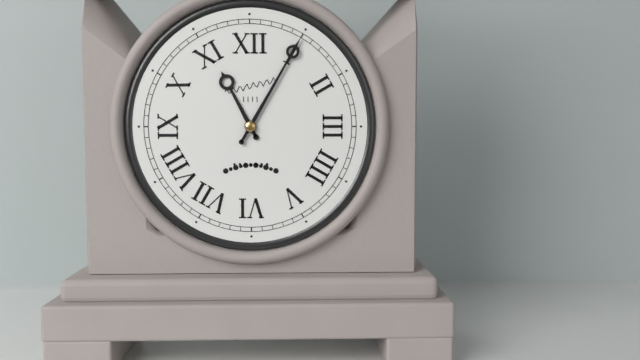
11:05
